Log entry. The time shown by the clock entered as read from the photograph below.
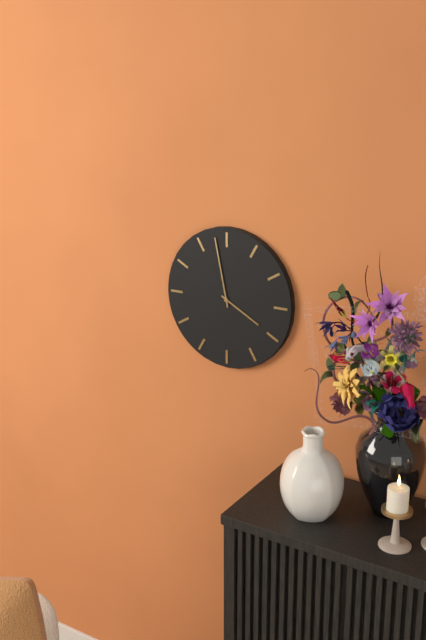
3:58
